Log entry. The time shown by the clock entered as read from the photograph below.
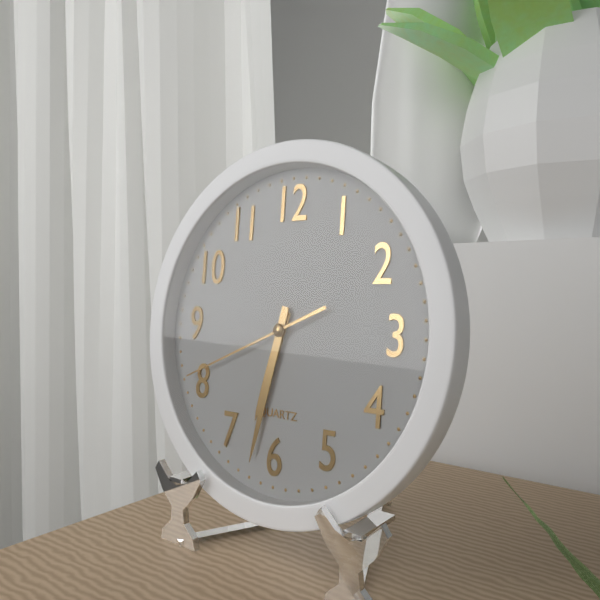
6:32:41
